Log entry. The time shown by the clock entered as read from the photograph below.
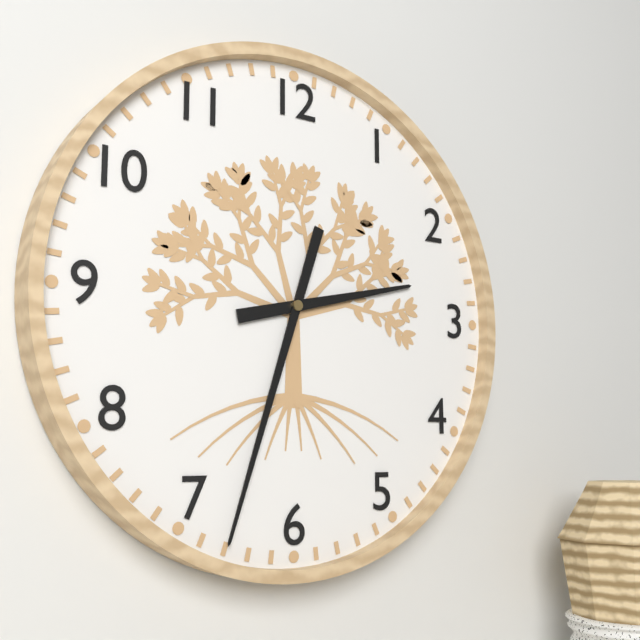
2:33
